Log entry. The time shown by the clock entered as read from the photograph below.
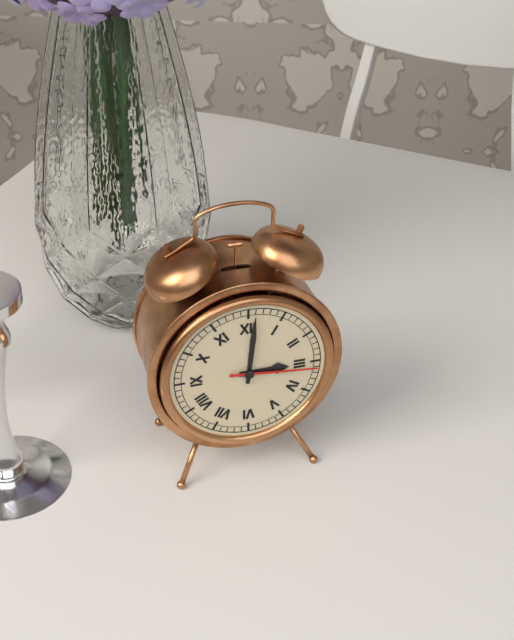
3:01:16
